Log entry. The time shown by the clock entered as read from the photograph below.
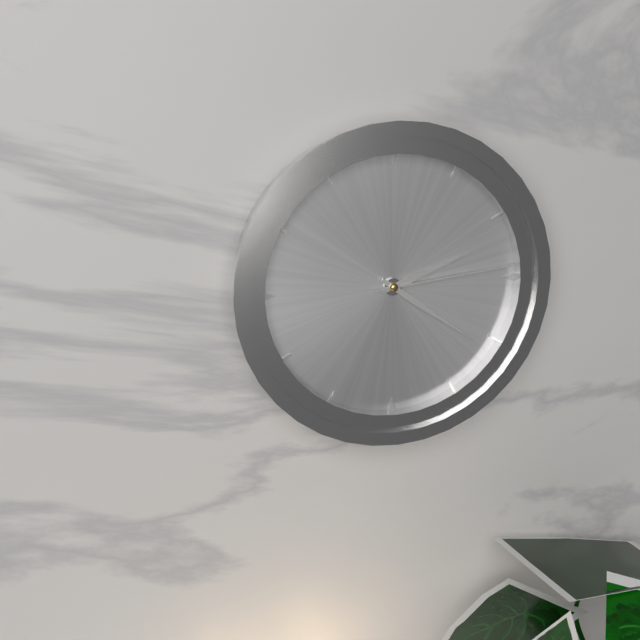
2:21:14
